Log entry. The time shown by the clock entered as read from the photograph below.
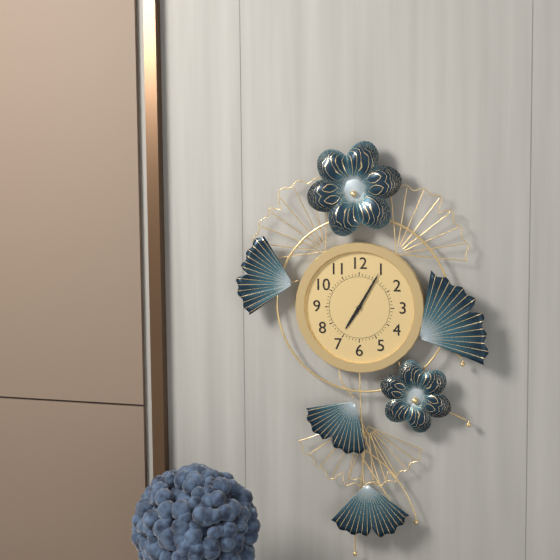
7:05
